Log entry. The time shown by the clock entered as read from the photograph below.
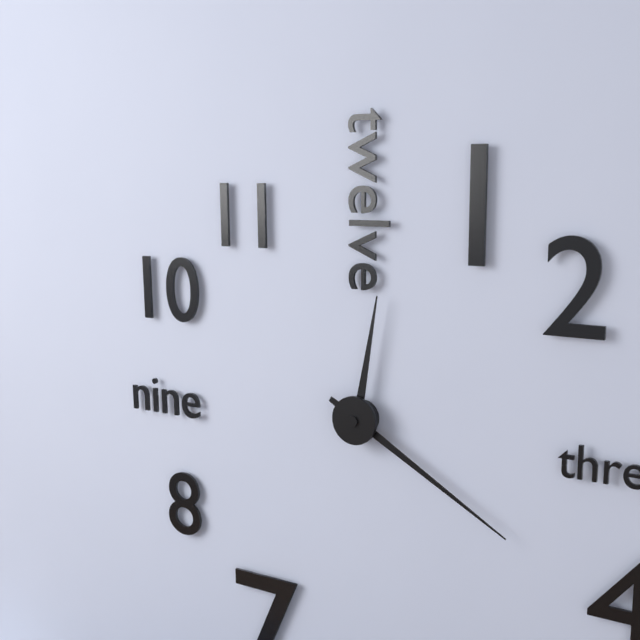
12:20
